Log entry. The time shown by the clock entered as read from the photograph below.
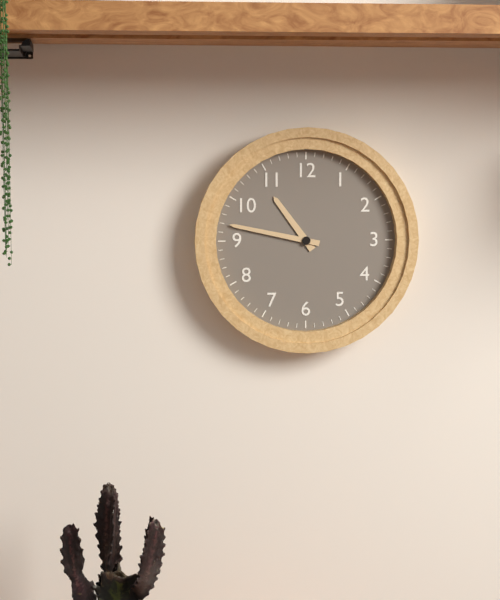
10:47
